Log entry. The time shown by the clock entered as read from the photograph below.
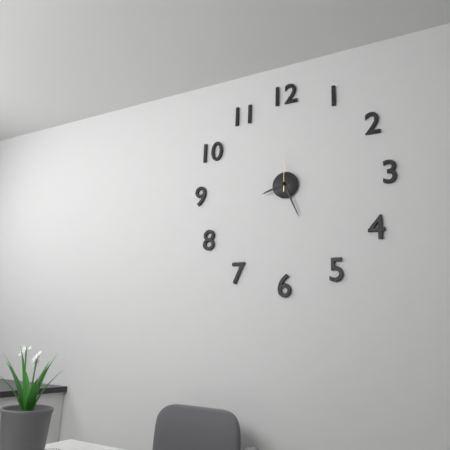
8:26
